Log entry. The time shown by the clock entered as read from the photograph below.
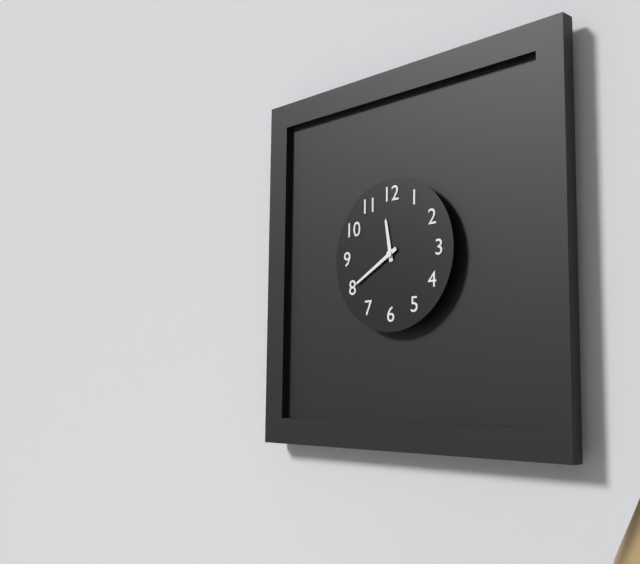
11:40
